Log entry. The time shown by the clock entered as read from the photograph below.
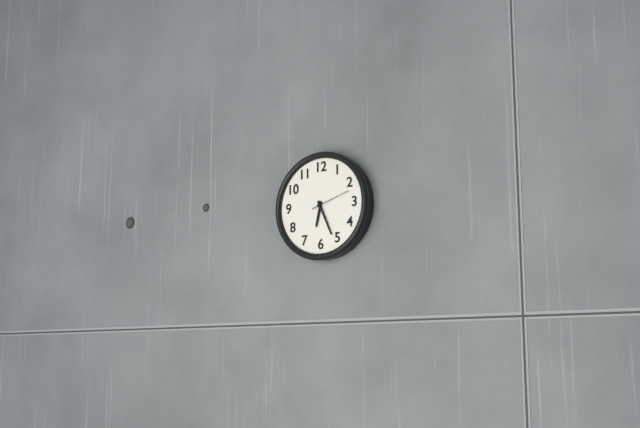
6:26
